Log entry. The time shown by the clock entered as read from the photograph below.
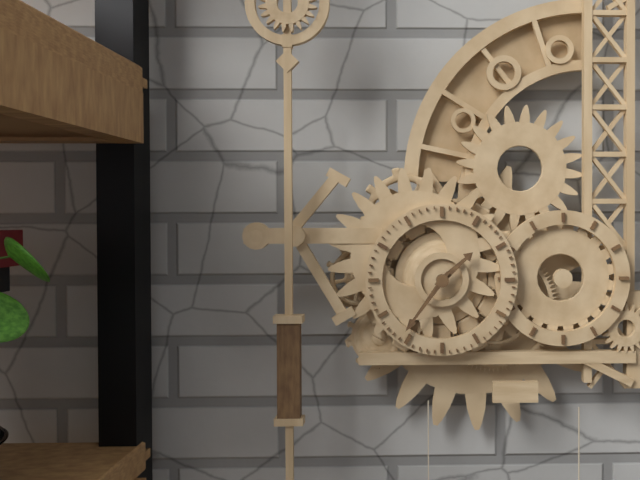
1:36
